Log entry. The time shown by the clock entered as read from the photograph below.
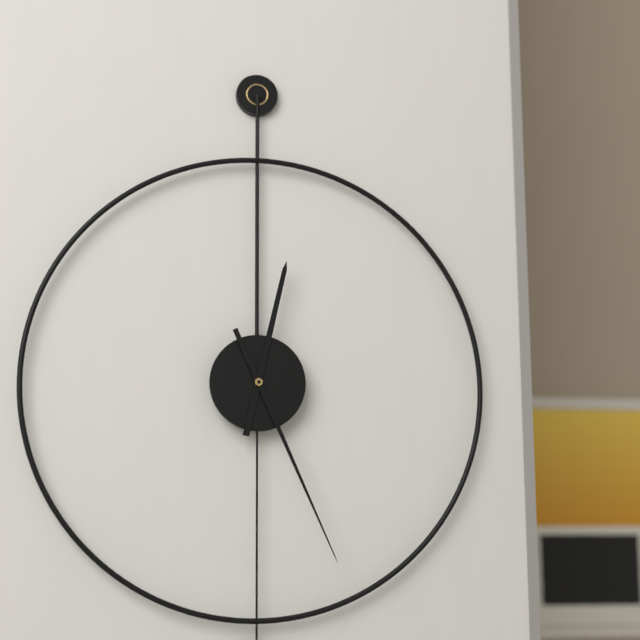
12:26
